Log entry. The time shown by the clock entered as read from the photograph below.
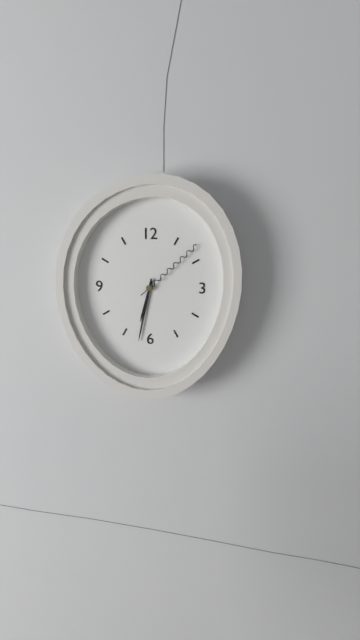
6:32:08
